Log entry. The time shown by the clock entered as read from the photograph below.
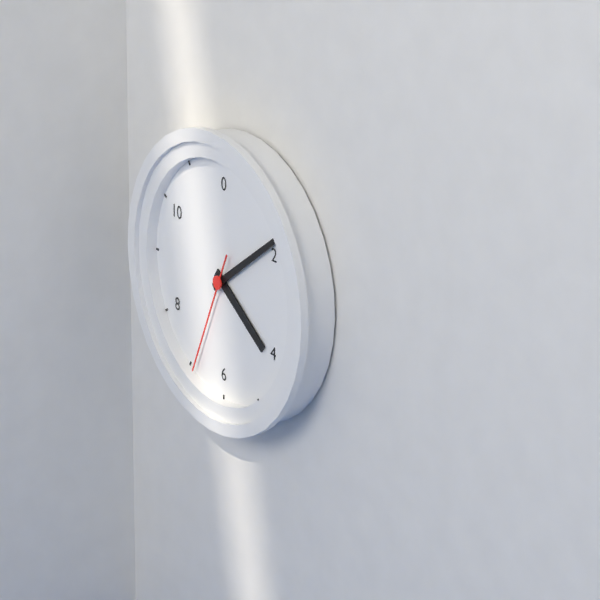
4:09:34
